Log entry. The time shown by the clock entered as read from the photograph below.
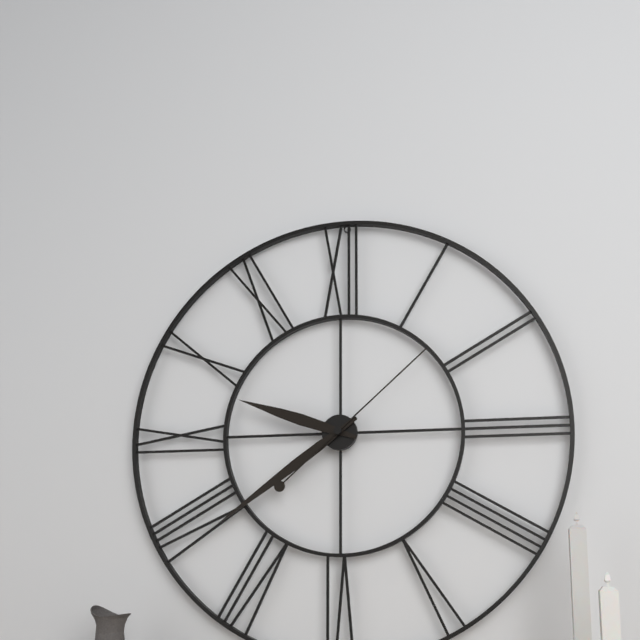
9:39:08
